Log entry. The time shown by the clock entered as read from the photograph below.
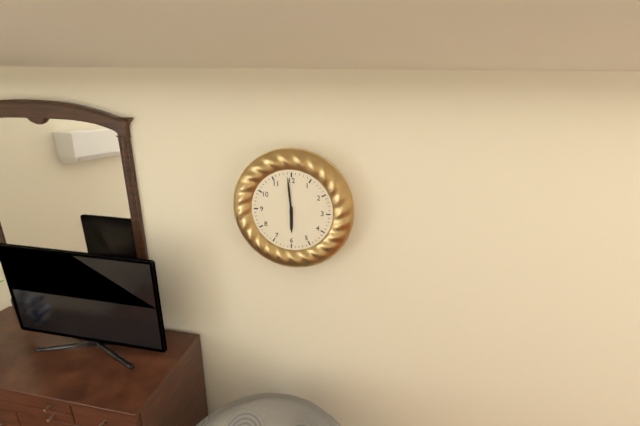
5:59
